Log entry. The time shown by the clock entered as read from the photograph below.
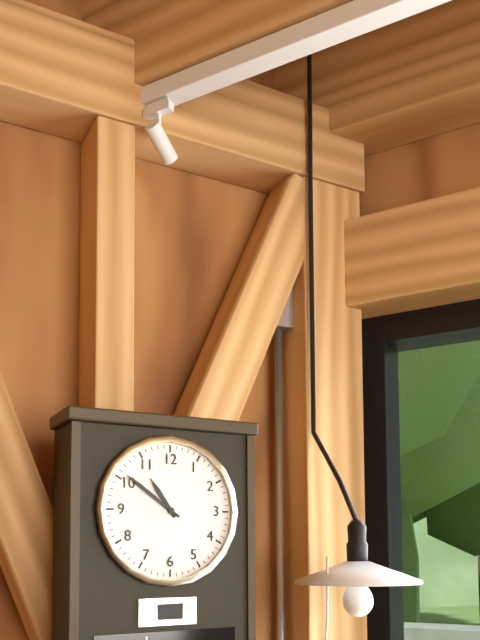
10:51
